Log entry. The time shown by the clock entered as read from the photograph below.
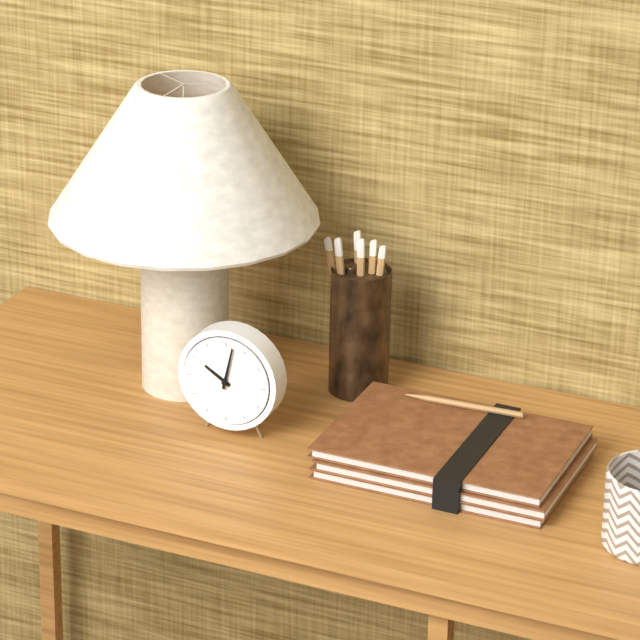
10:02
